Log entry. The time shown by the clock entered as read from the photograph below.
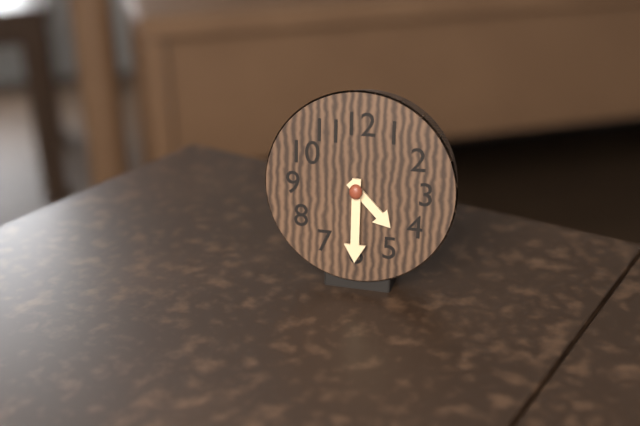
4:30
